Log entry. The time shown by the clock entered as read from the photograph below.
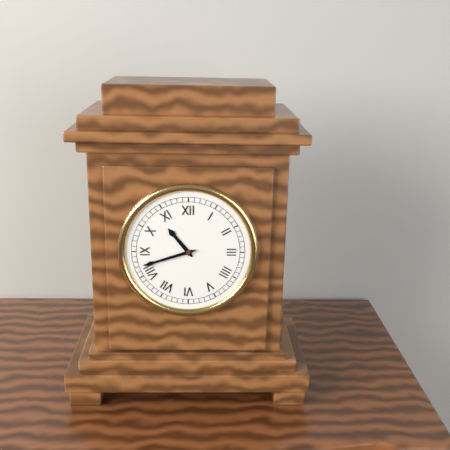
10:42
